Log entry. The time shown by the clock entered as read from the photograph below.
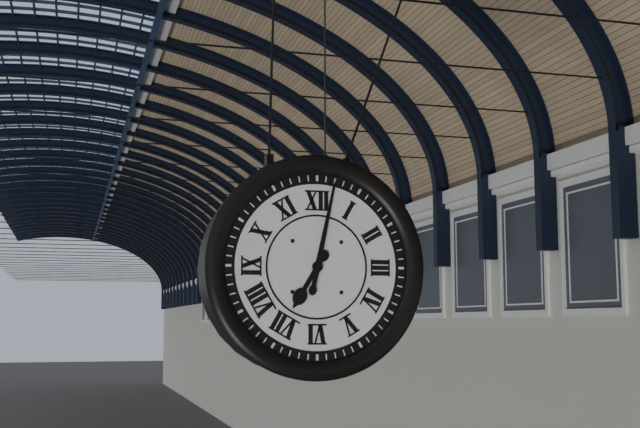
7:02
